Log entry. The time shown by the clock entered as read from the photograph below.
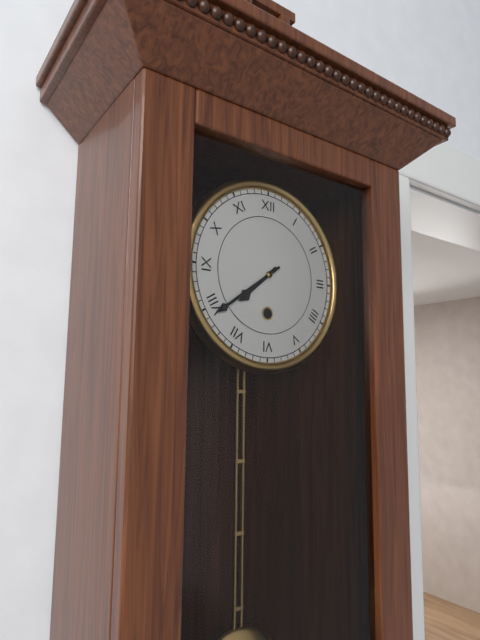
7:39
